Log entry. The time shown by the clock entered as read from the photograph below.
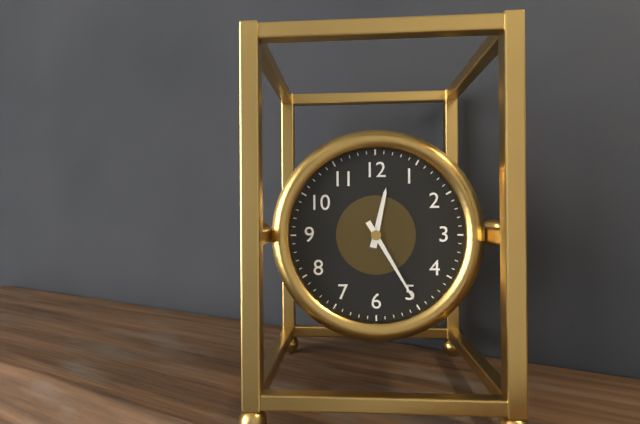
12:25
